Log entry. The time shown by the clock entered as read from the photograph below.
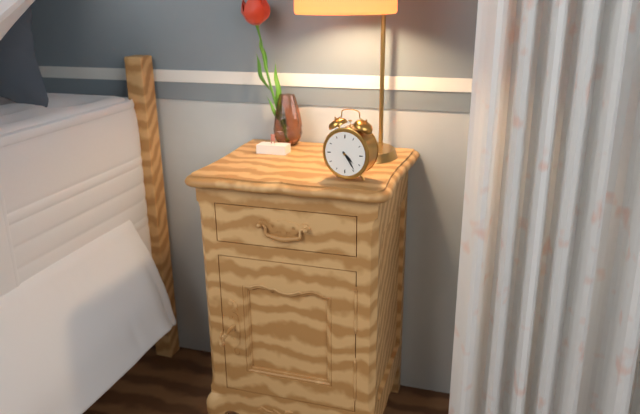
4:24
